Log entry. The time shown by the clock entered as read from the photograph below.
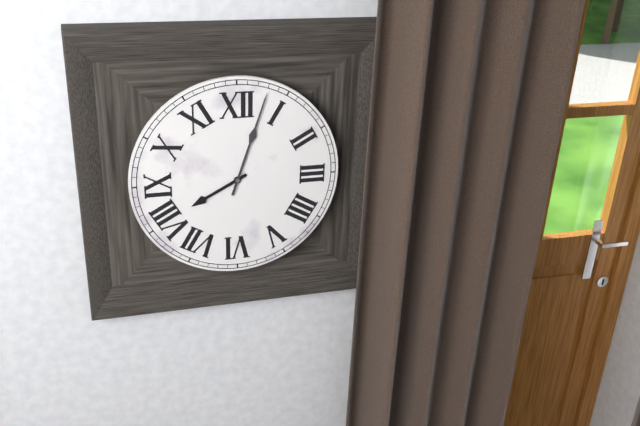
8:03
